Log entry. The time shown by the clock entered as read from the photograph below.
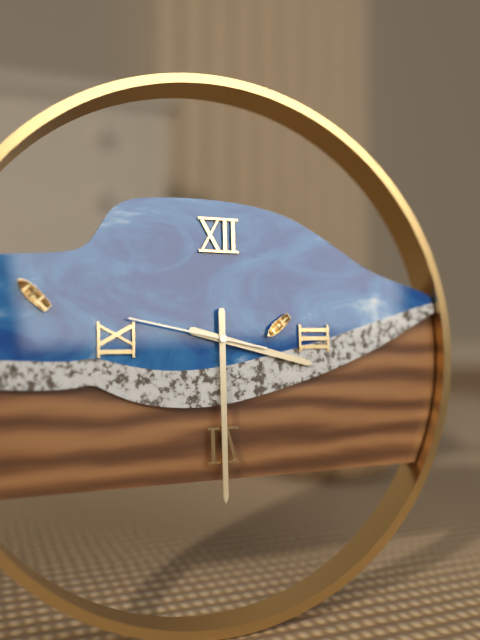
3:30:47
